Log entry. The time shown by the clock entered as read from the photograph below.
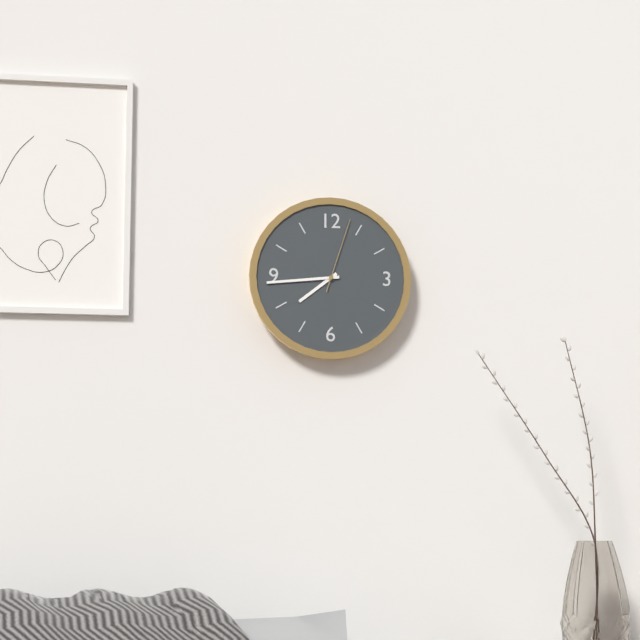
7:44:03
